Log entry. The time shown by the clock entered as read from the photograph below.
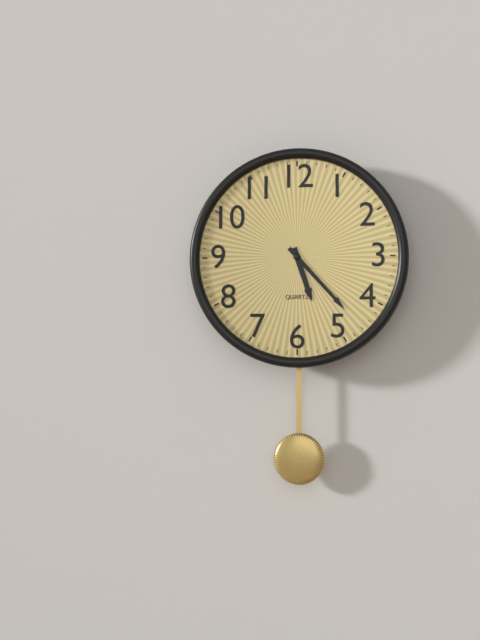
5:23
